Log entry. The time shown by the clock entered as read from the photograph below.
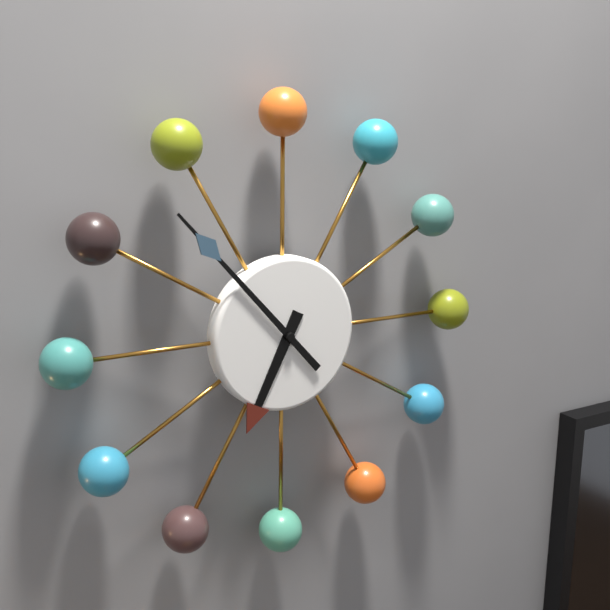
6:53
